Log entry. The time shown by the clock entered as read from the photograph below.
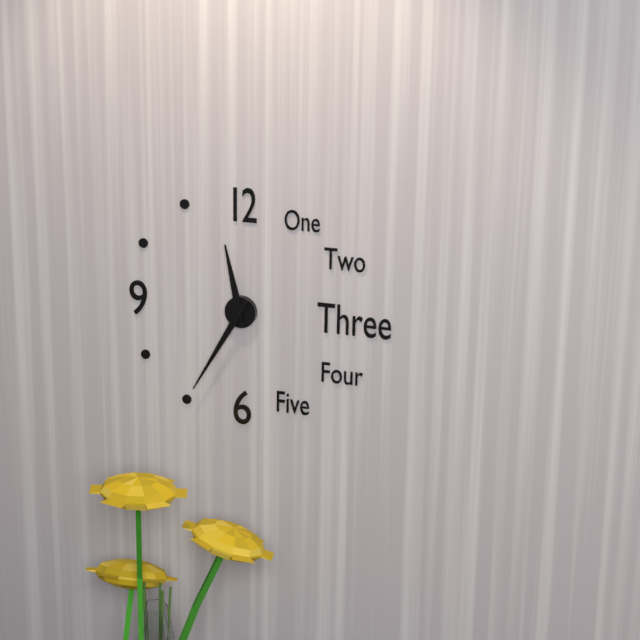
11:35
